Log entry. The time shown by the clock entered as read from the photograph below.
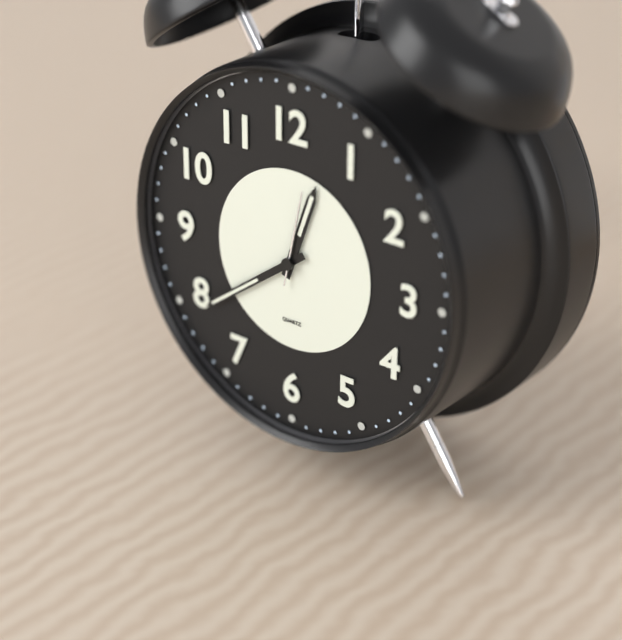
12:39:02
